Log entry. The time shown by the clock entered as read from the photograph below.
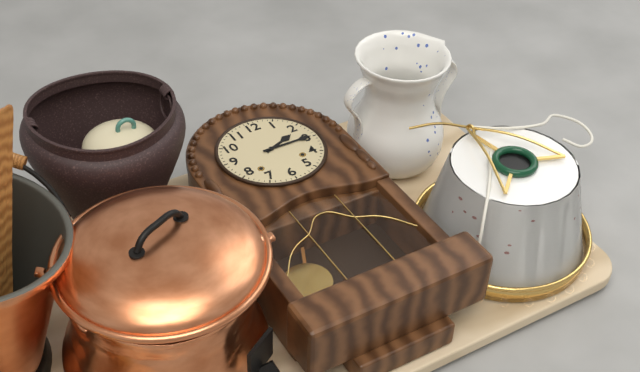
2:15
